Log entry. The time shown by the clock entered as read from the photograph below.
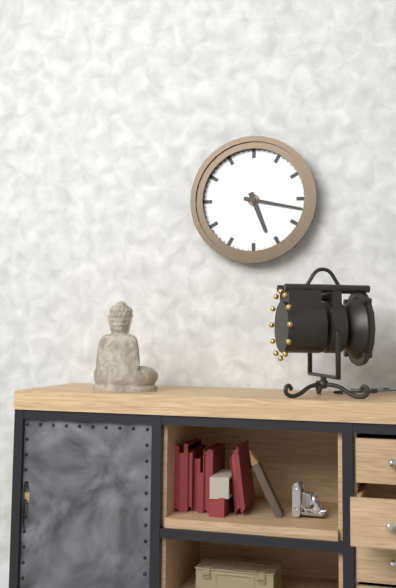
5:17
